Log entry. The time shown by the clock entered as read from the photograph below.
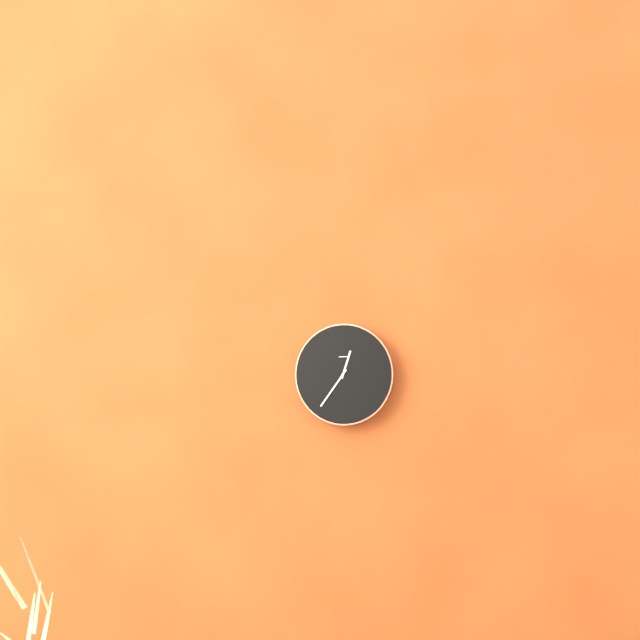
12:36
